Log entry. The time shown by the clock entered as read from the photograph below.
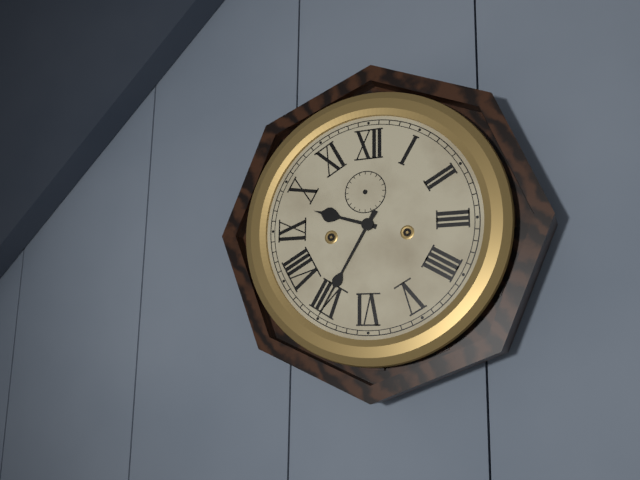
9:35
